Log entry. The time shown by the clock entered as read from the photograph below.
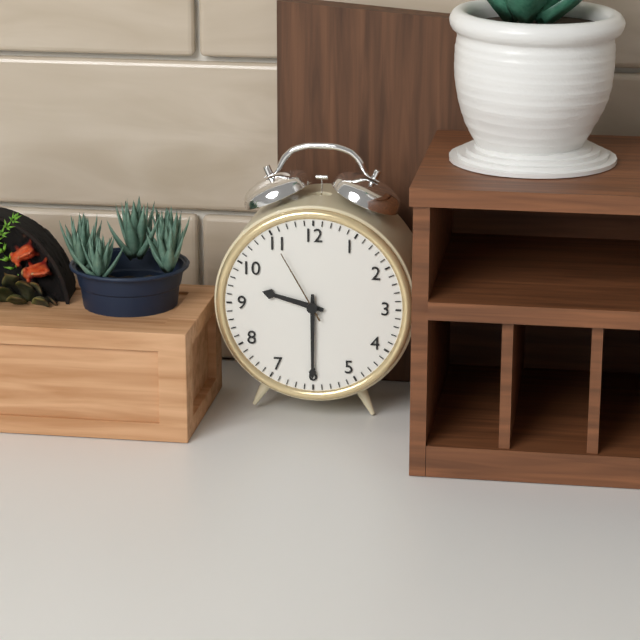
9:30:55
